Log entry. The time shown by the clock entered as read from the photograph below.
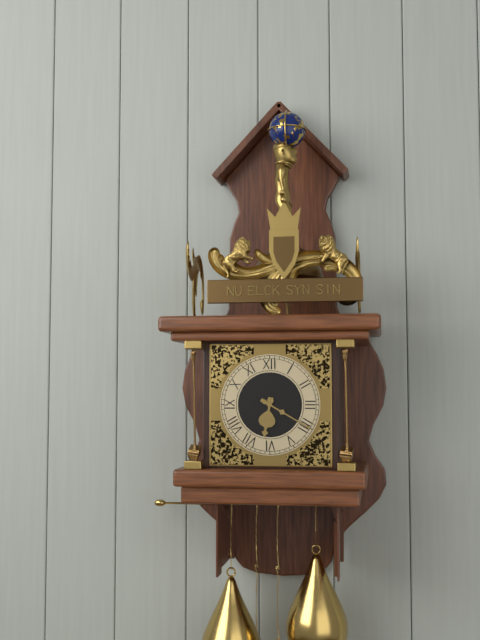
6:20
